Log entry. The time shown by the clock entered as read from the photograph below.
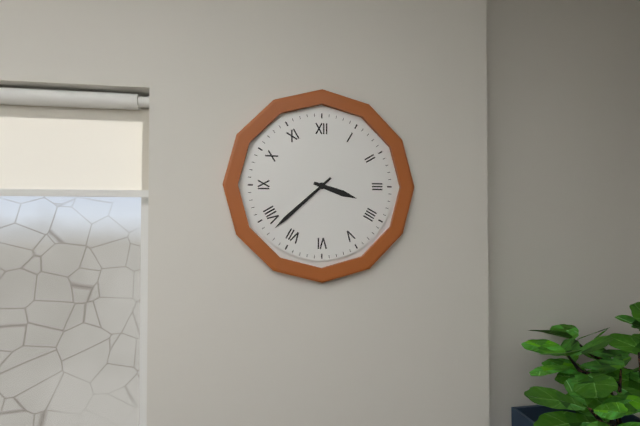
3:38
